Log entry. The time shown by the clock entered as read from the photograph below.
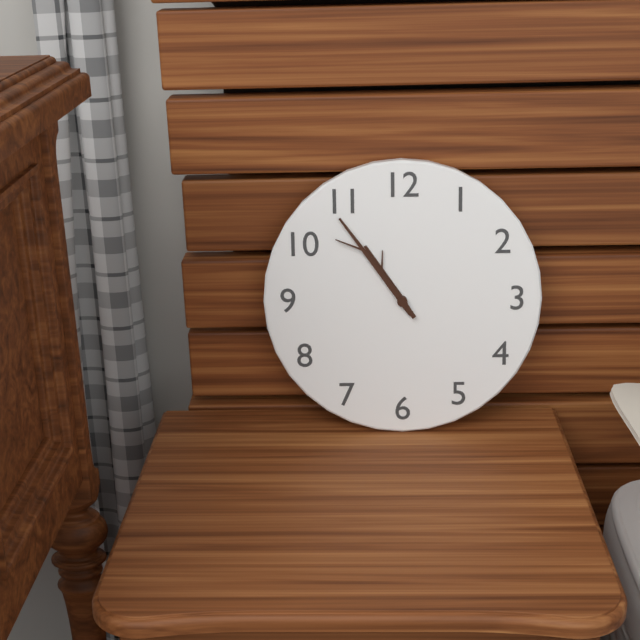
10:54
